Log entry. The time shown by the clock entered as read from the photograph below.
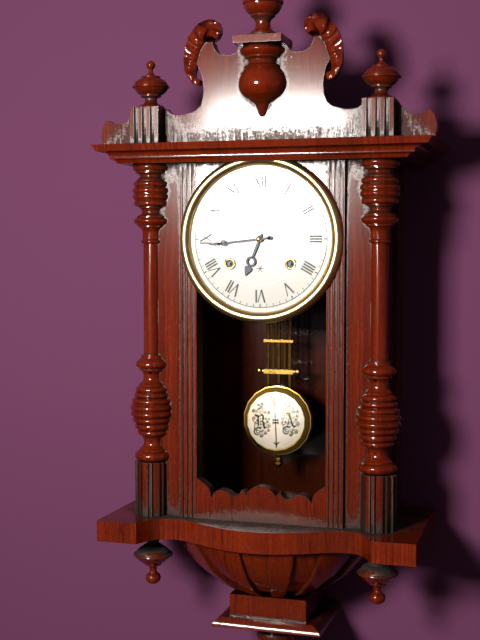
6:44
